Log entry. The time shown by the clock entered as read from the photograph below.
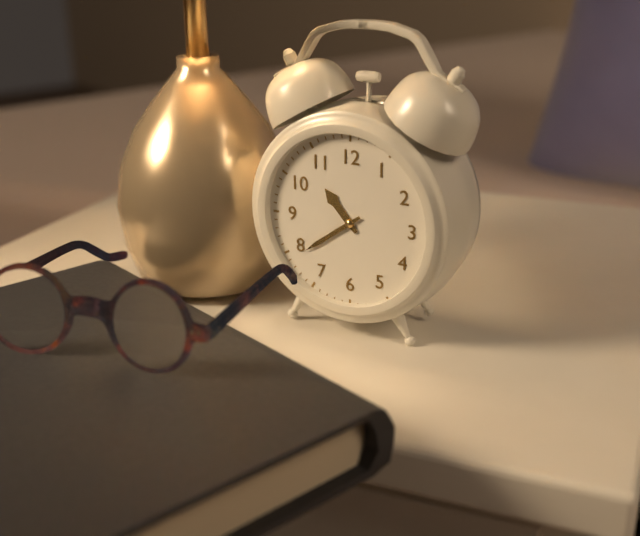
10:39
